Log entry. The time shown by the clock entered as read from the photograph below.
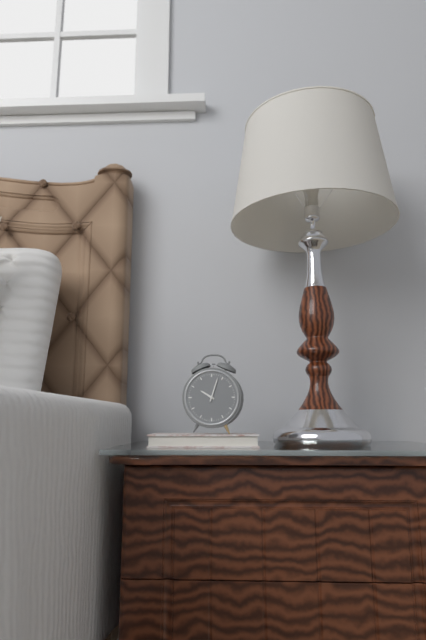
10:03
